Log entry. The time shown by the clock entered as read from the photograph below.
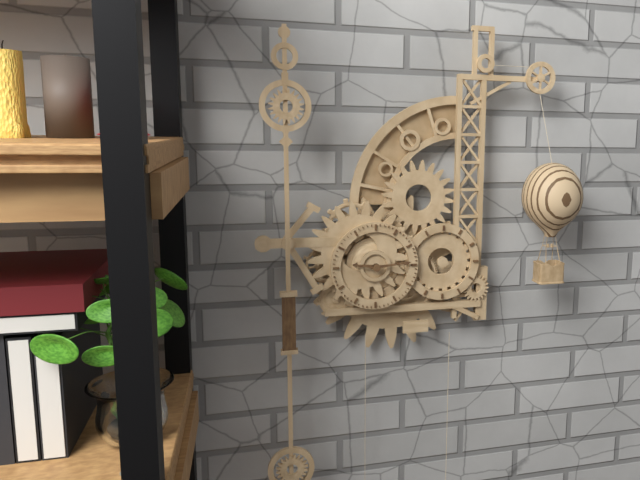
9:14
